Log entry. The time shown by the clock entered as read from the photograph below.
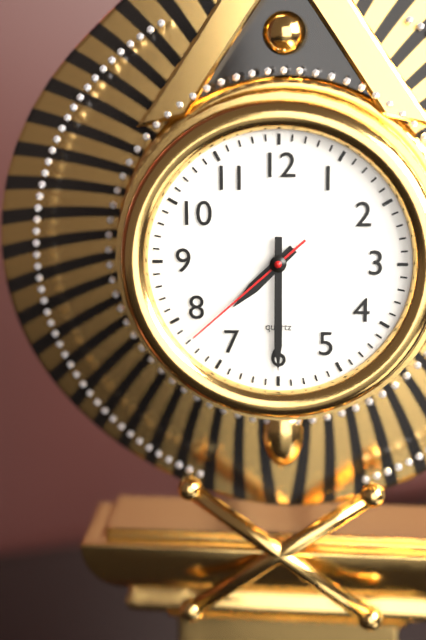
7:30:38
